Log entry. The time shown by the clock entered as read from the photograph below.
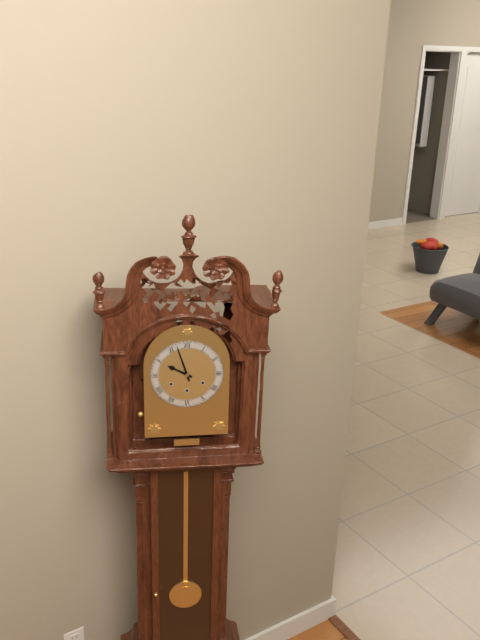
9:57
